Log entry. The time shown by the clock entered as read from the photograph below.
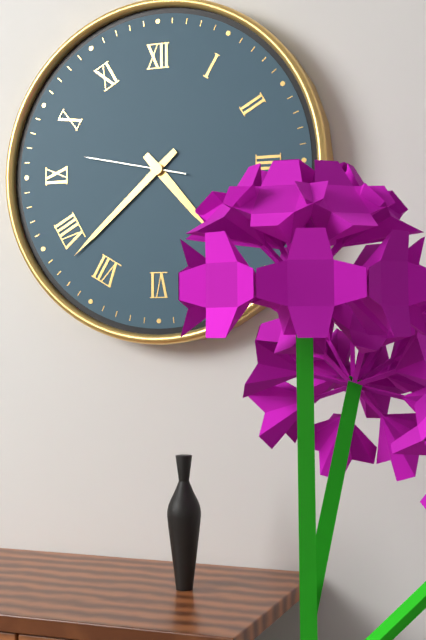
4:38:47
